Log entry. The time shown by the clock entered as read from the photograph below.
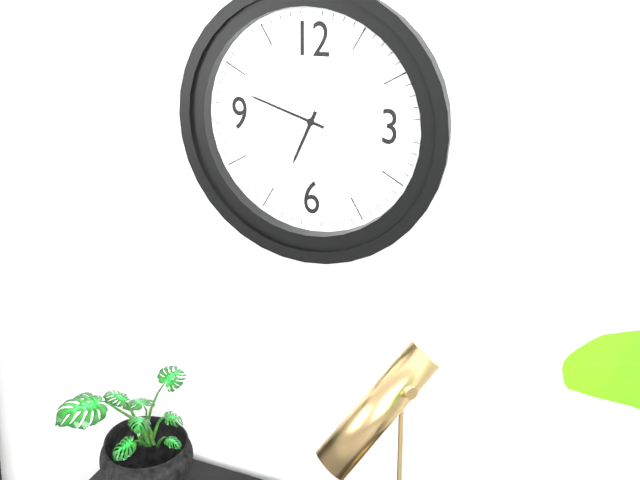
6:48
